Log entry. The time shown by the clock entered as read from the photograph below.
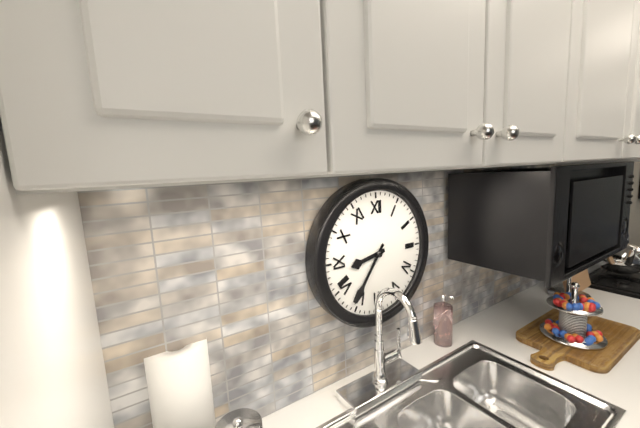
8:36
